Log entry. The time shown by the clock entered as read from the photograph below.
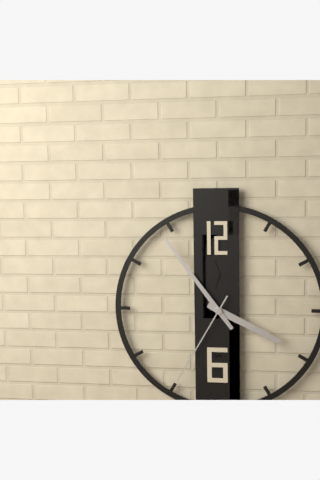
3:54:35
